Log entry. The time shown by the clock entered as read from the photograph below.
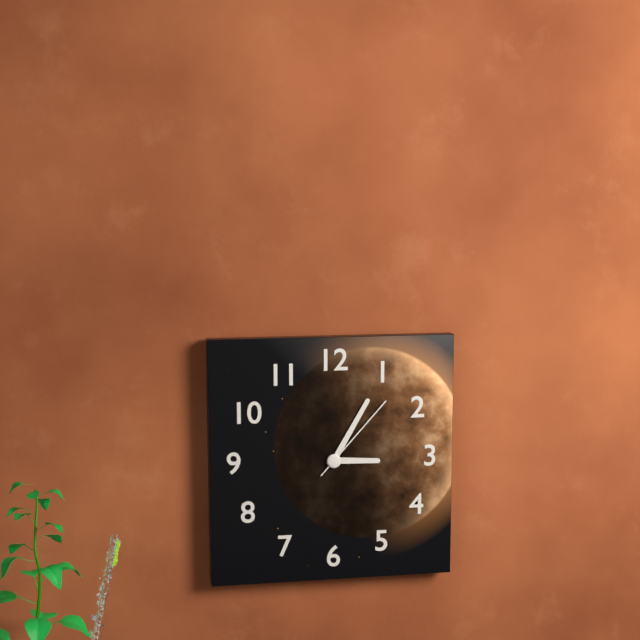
3:05:07
